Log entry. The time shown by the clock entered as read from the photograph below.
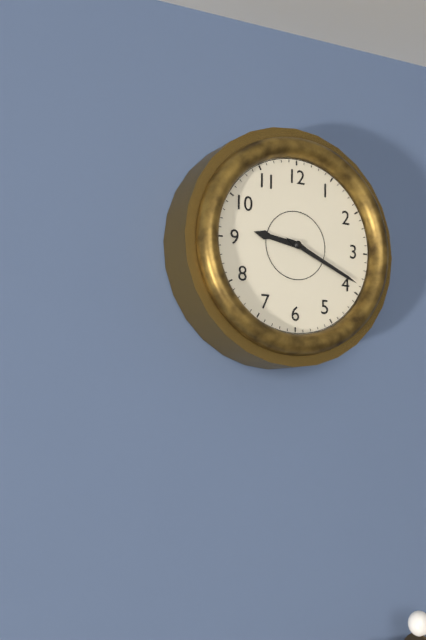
9:19
